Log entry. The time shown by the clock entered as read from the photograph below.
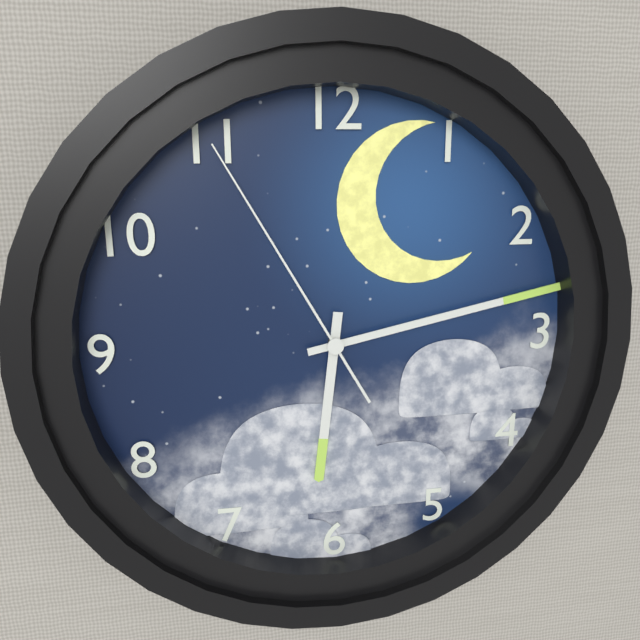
6:13:55
